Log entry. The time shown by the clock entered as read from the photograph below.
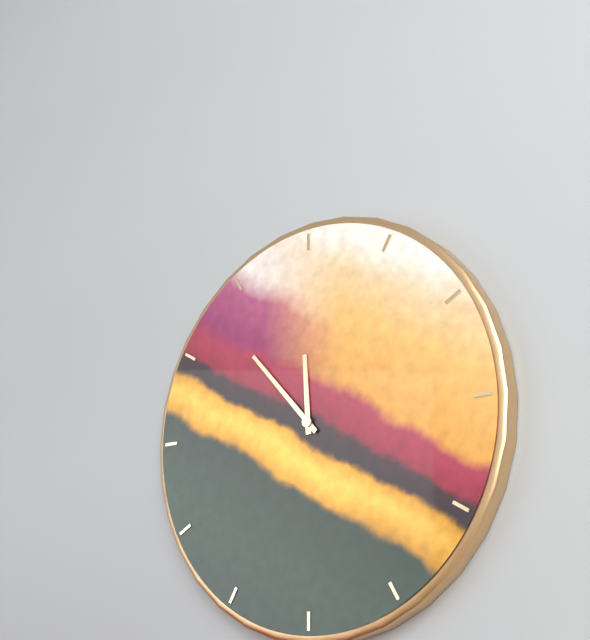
11:53
